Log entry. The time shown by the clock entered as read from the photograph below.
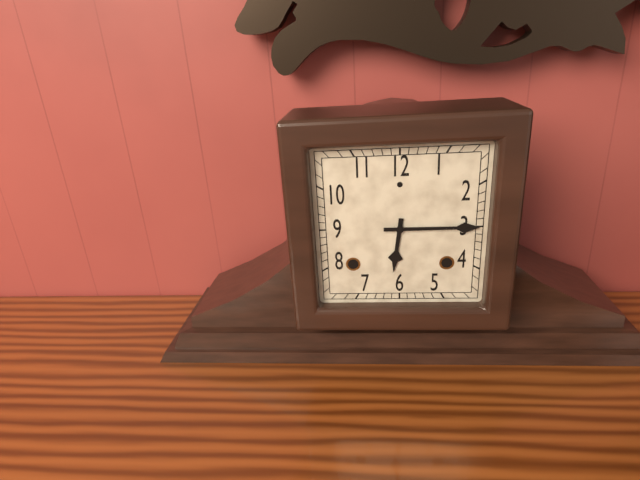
6:15
